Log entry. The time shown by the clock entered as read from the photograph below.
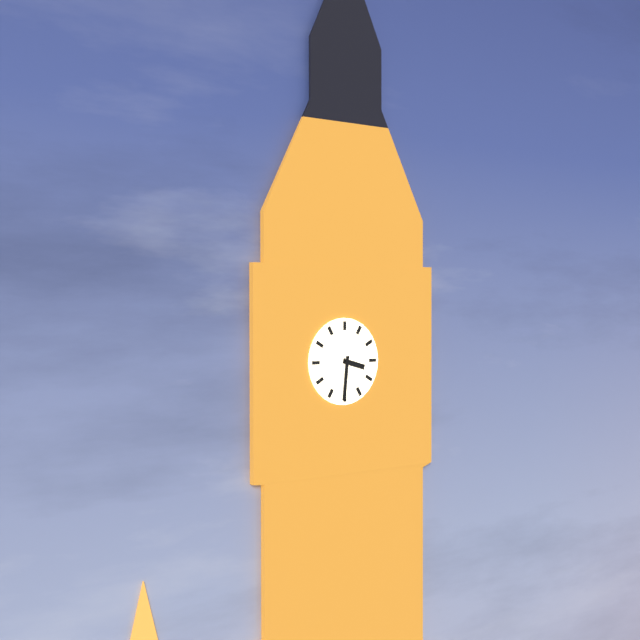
3:31
